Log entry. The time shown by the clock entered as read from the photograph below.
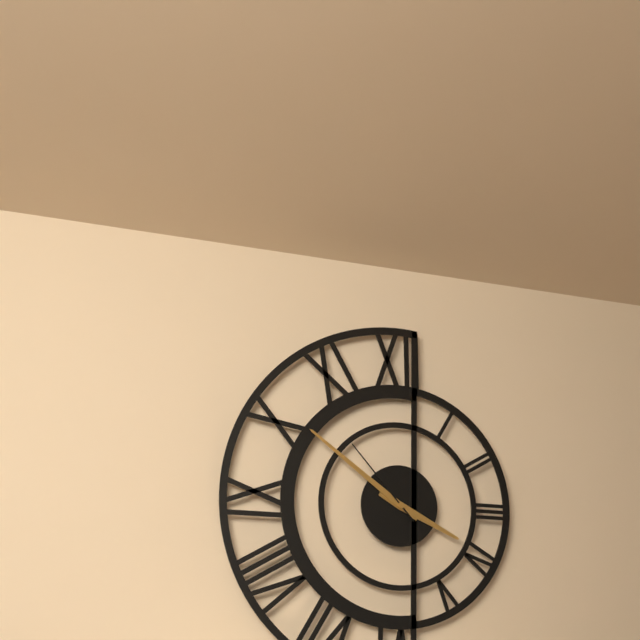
3:51:53
